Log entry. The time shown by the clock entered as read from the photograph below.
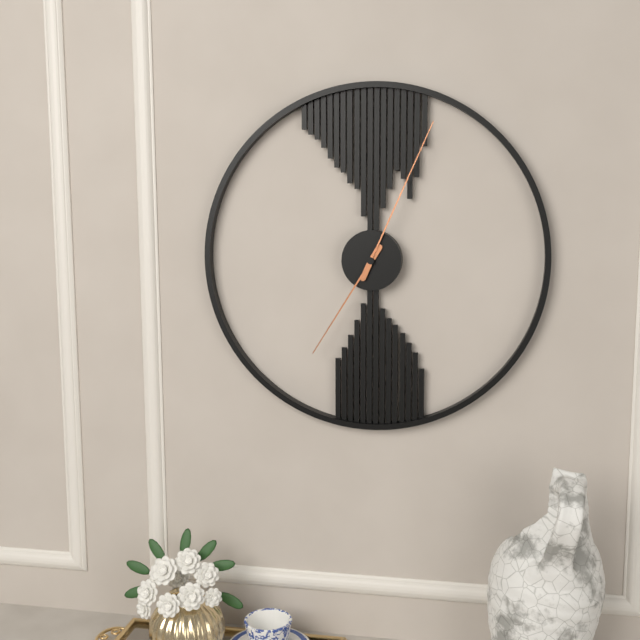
7:04
